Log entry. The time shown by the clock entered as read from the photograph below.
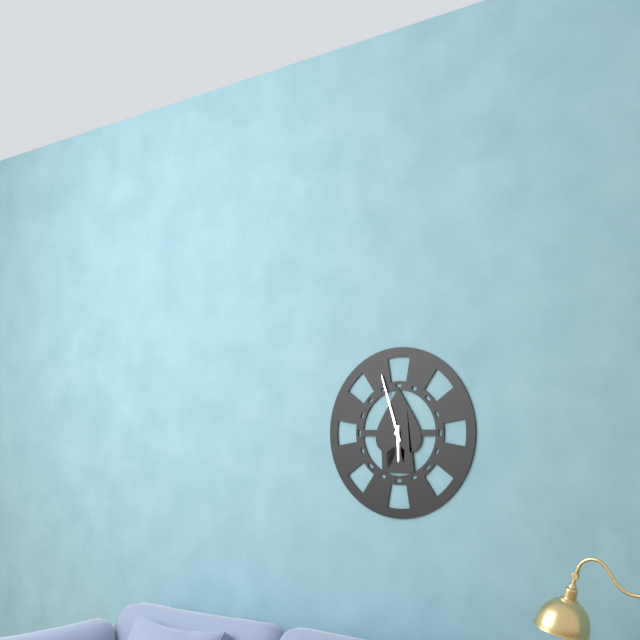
5:57
